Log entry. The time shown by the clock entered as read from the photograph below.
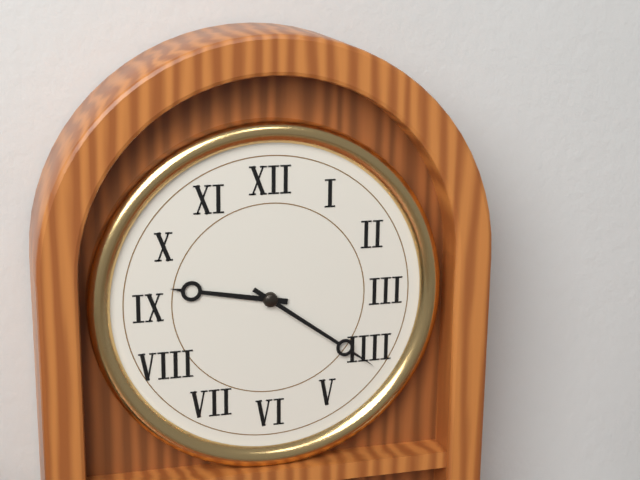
9:21
